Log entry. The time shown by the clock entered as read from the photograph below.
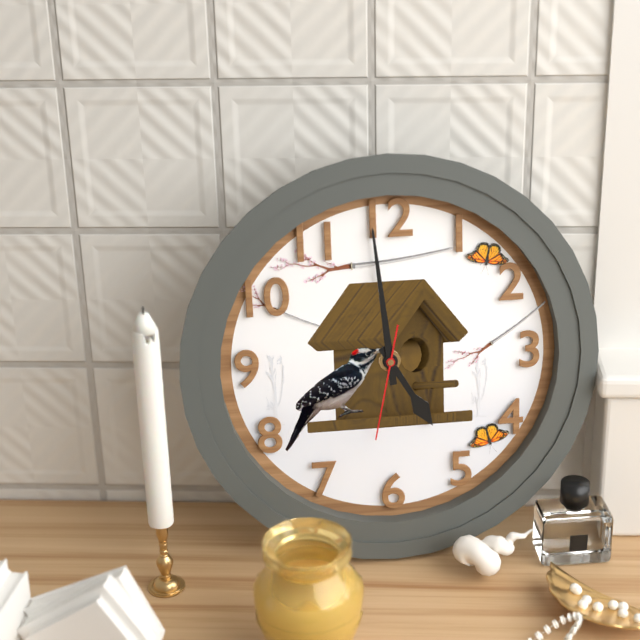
4:59:32
